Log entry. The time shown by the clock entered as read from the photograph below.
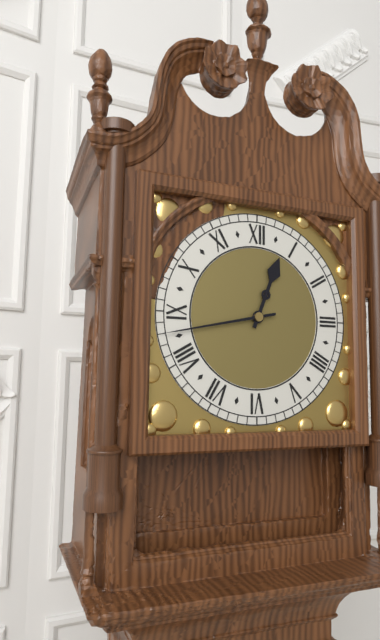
12:43
